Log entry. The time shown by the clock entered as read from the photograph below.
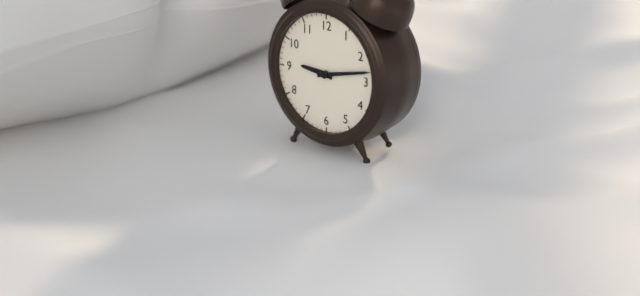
9:13
